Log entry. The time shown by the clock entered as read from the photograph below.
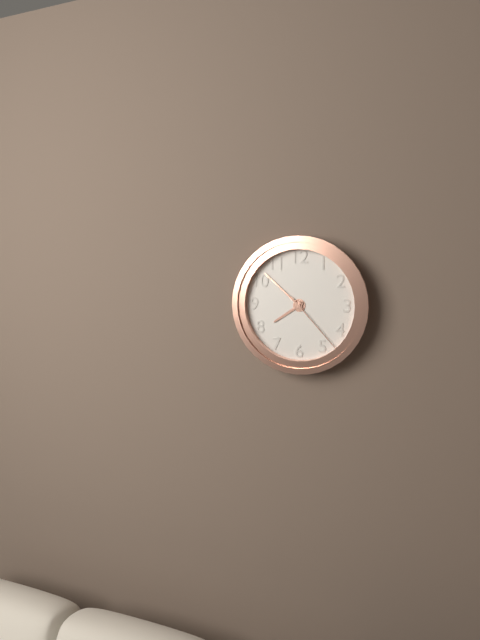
7:52:23
